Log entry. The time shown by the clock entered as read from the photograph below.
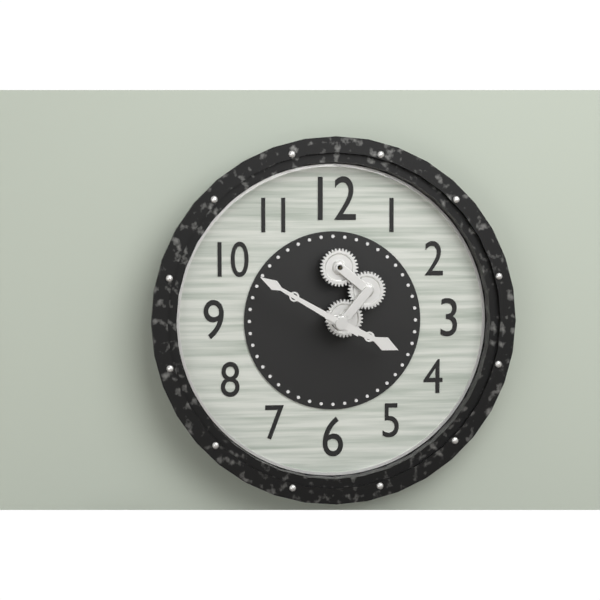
3:50
